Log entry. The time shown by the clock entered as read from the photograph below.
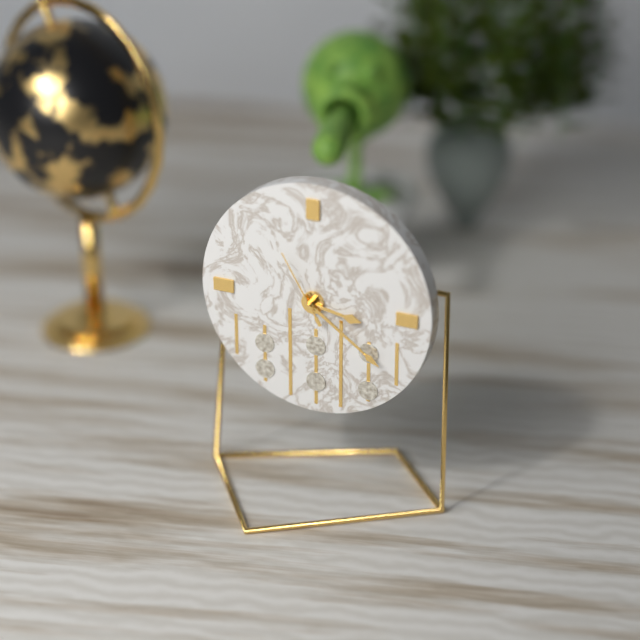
3:21:55
